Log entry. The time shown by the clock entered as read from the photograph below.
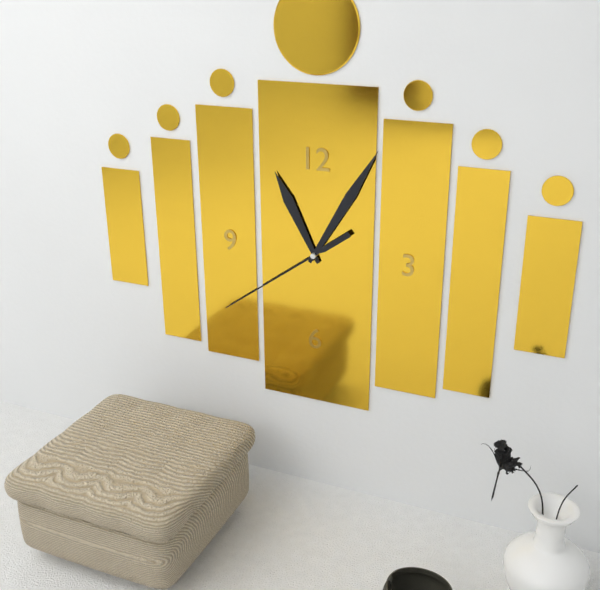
11:05:39
